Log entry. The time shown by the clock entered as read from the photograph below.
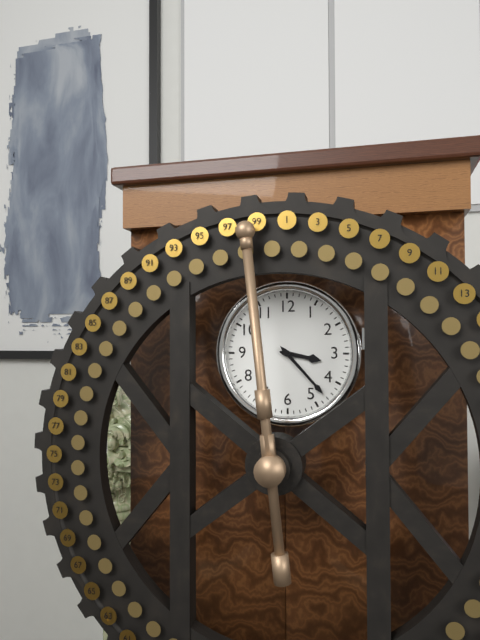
3:23
